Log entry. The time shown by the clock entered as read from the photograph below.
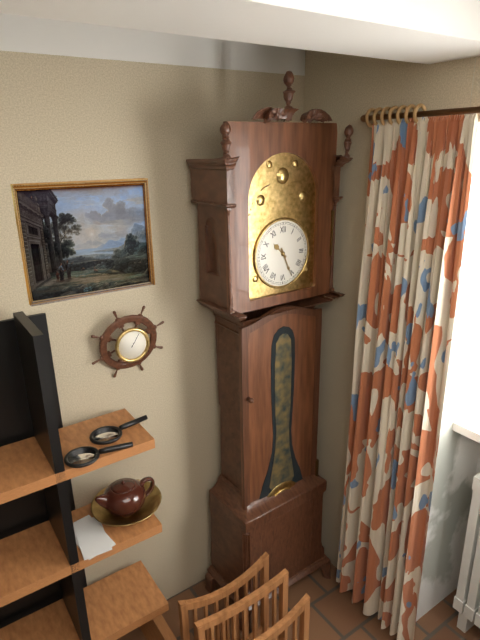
10:26
